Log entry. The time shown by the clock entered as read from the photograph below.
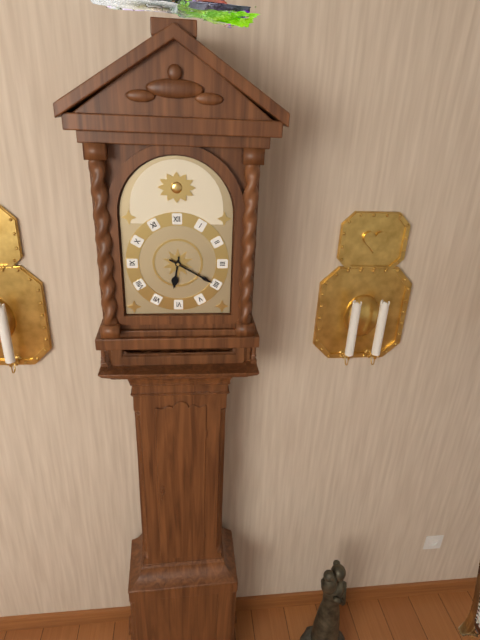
6:20
